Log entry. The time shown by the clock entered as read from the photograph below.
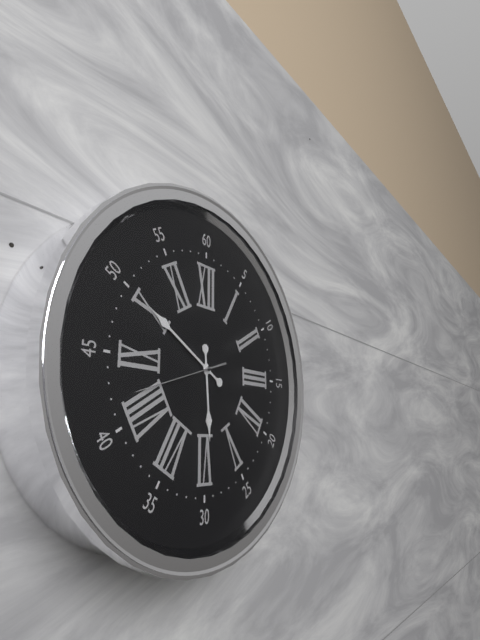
5:50:42
